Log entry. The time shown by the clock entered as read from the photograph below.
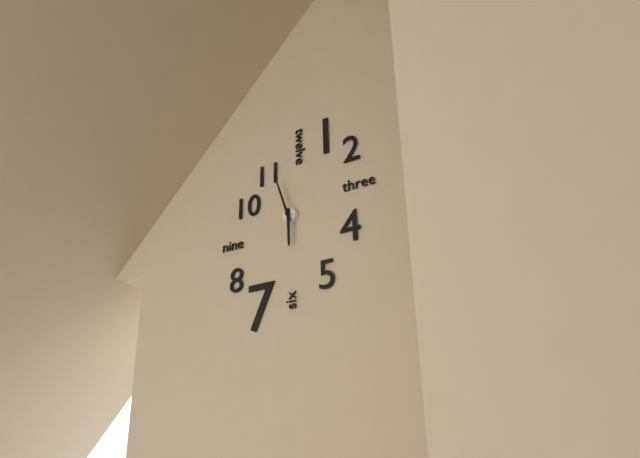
5:57
